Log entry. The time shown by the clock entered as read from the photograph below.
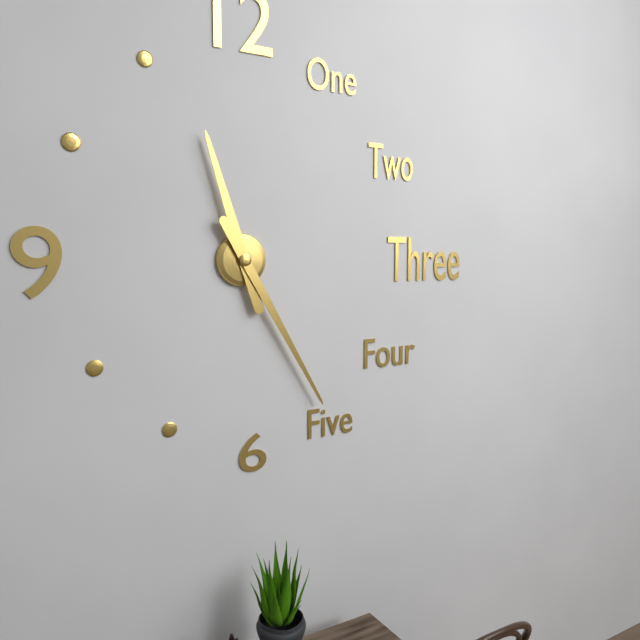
11:25
